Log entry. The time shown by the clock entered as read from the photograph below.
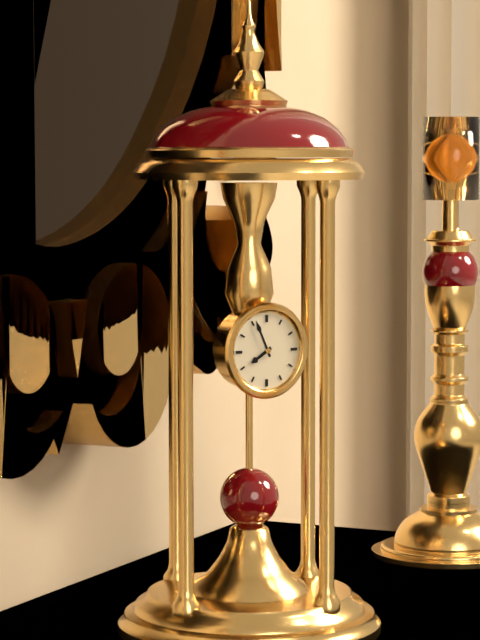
7:56
